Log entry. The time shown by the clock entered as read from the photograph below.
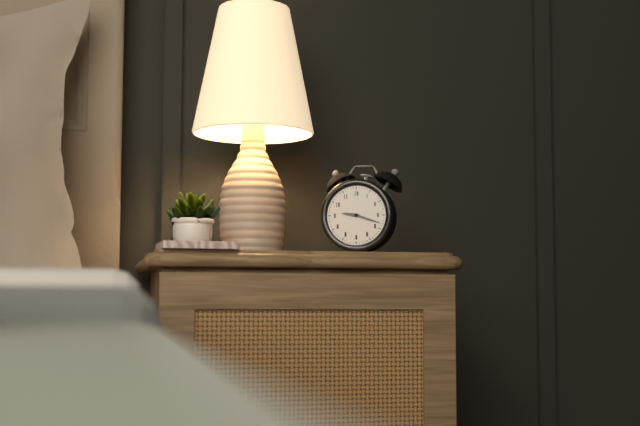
9:18
